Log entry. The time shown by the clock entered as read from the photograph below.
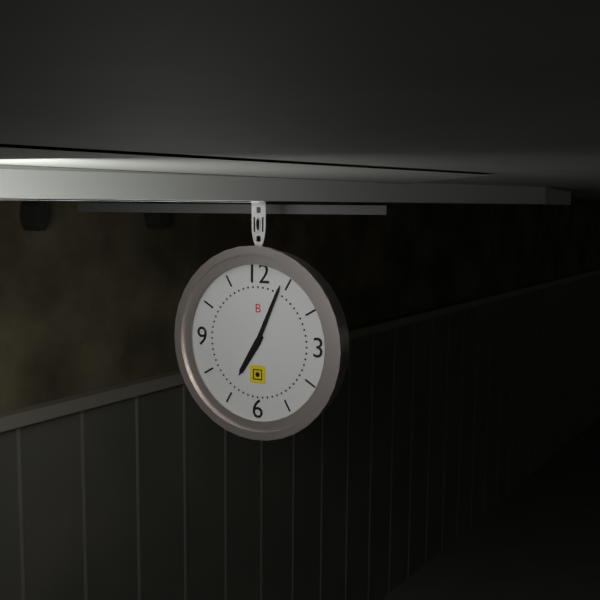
7:04
